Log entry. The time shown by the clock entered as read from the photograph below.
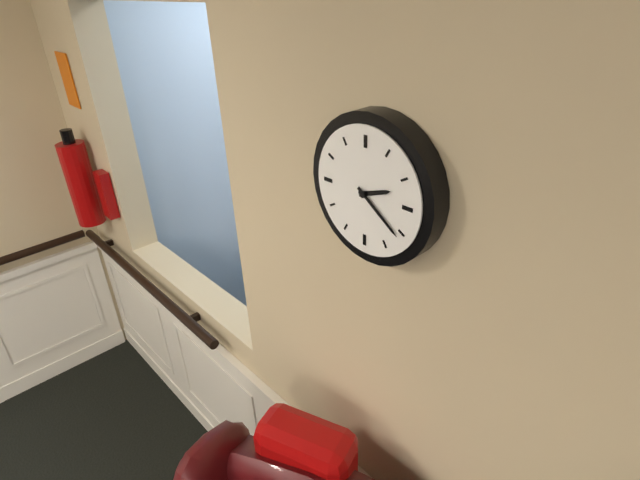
2:21
